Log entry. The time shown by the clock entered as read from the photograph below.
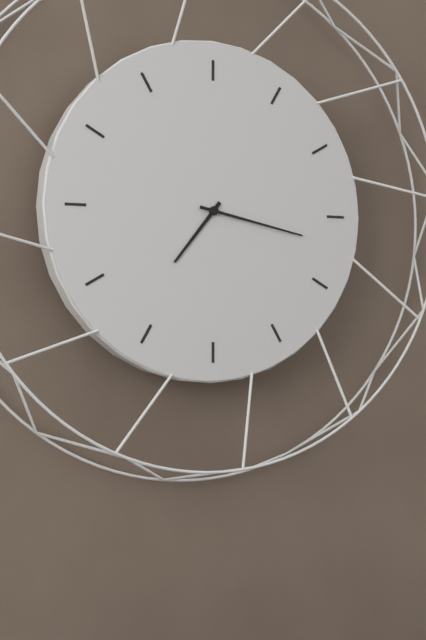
7:17
